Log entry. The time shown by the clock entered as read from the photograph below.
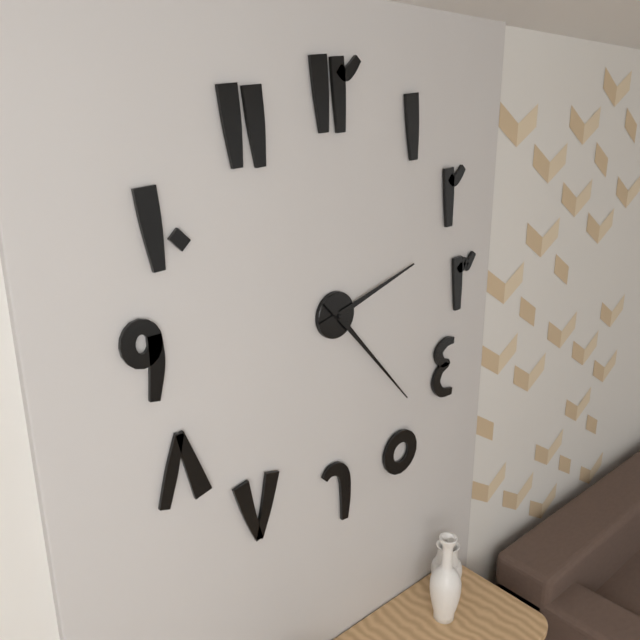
2:23
